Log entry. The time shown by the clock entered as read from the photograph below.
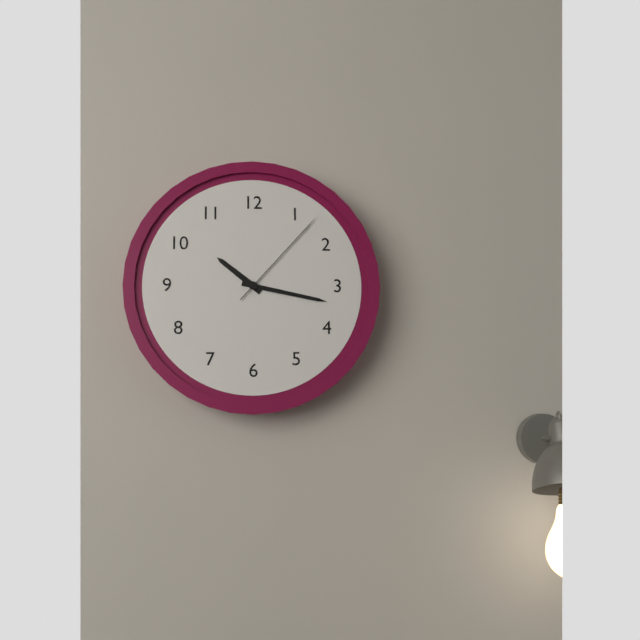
10:17:07
